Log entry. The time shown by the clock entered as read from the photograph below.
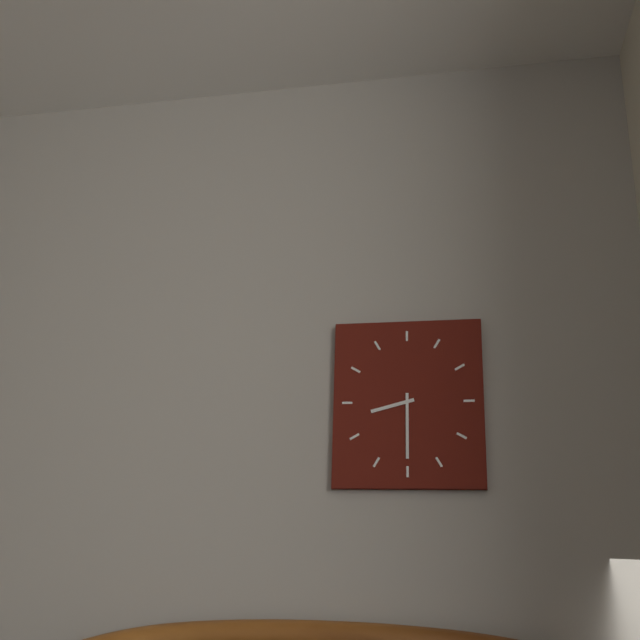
8:30
